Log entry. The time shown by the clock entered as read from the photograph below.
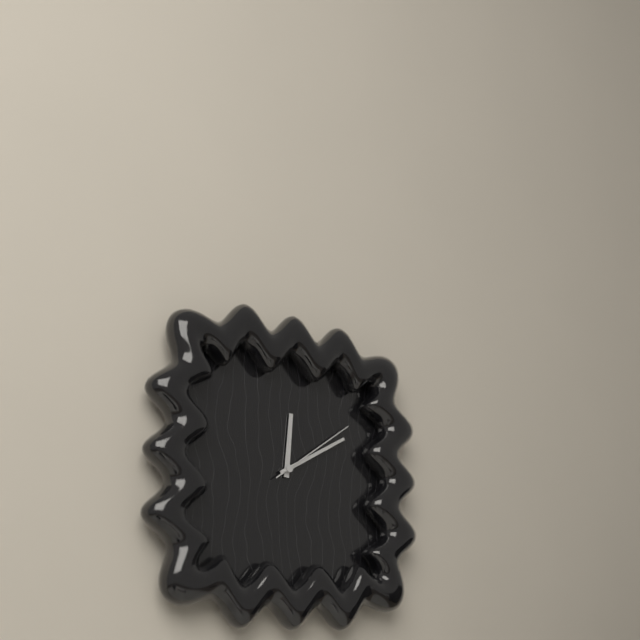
12:10:09
